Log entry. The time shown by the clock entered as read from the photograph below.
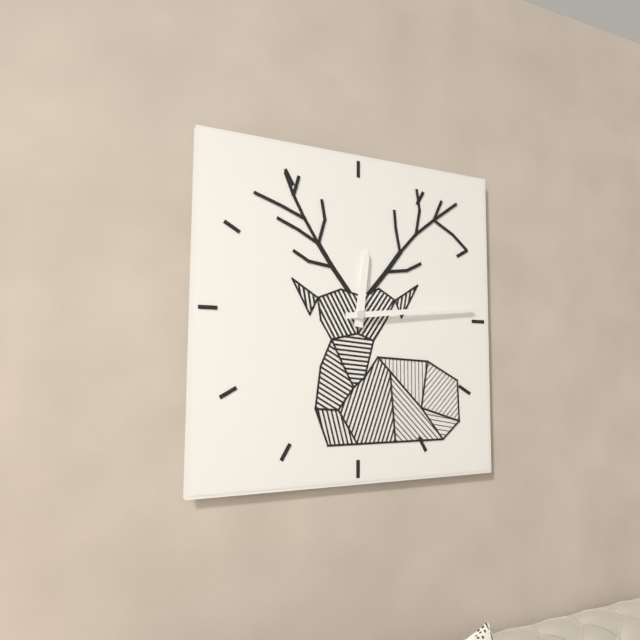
12:14
